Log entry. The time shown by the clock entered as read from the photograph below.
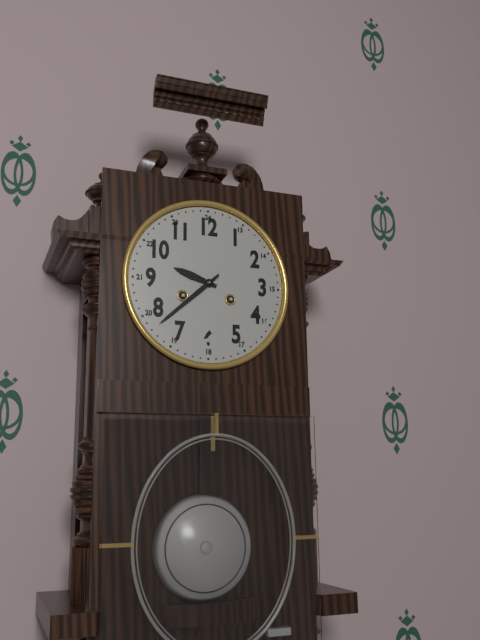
9:38
